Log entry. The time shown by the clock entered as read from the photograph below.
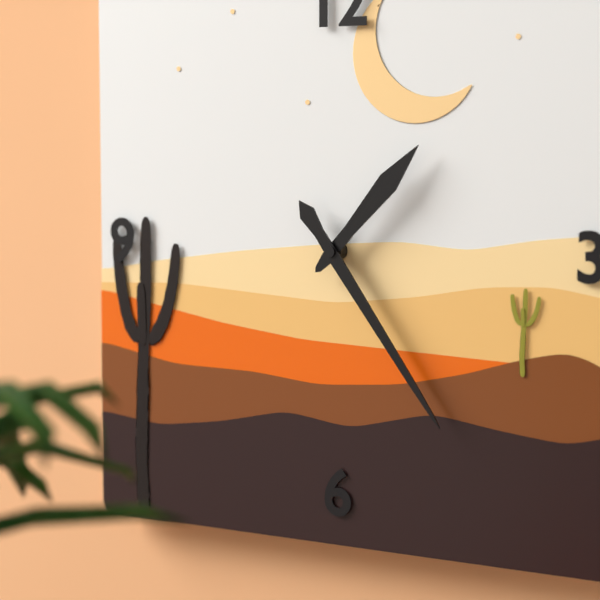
1:24
